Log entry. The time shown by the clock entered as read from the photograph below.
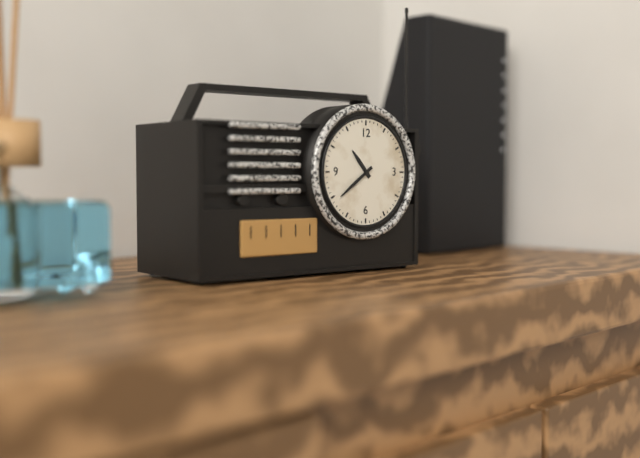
10:39
